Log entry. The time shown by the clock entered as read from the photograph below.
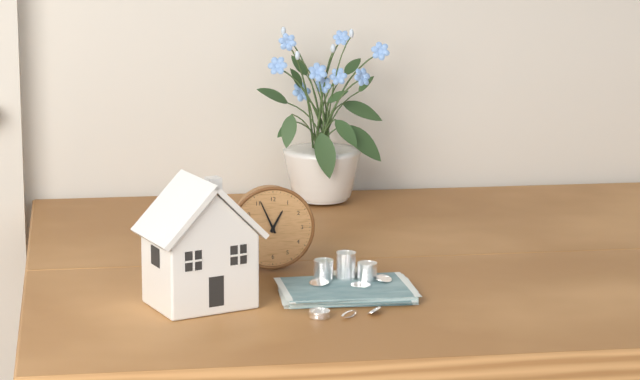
12:56
